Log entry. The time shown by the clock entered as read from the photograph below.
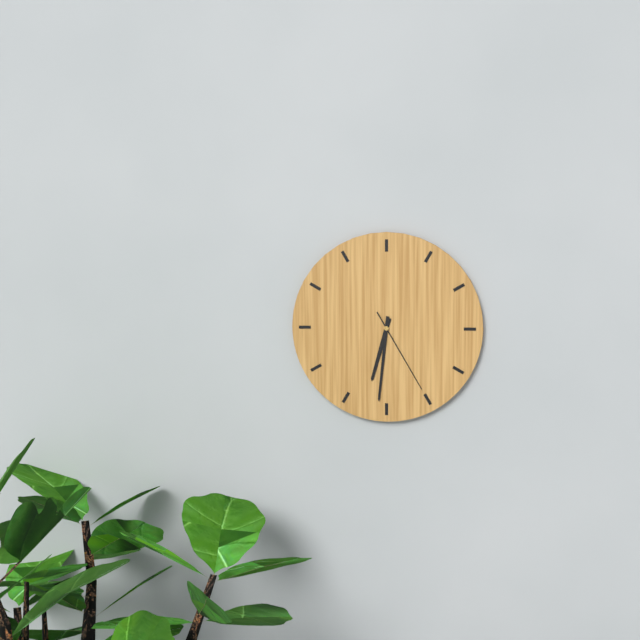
6:31:25
